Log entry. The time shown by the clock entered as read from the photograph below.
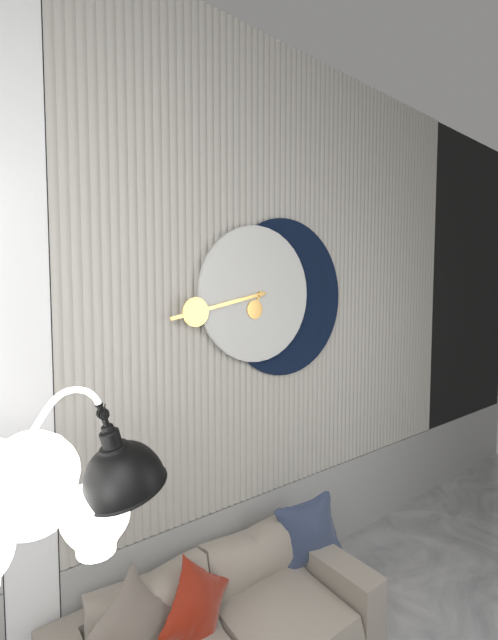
6:43
